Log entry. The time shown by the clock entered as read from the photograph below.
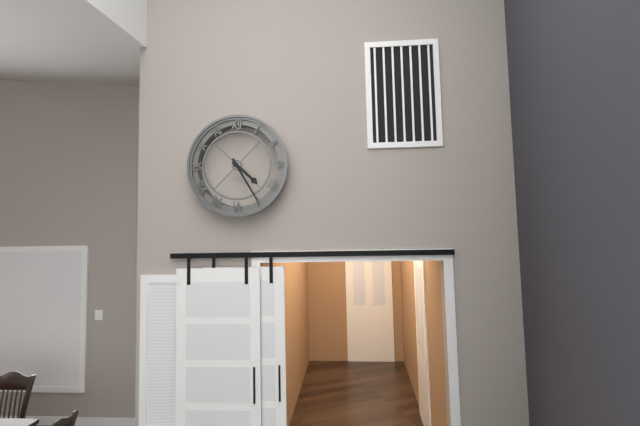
4:25
